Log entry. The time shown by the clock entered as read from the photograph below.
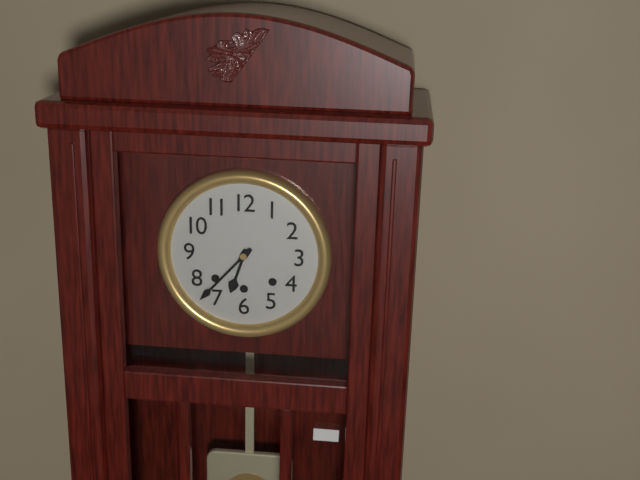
6:37
